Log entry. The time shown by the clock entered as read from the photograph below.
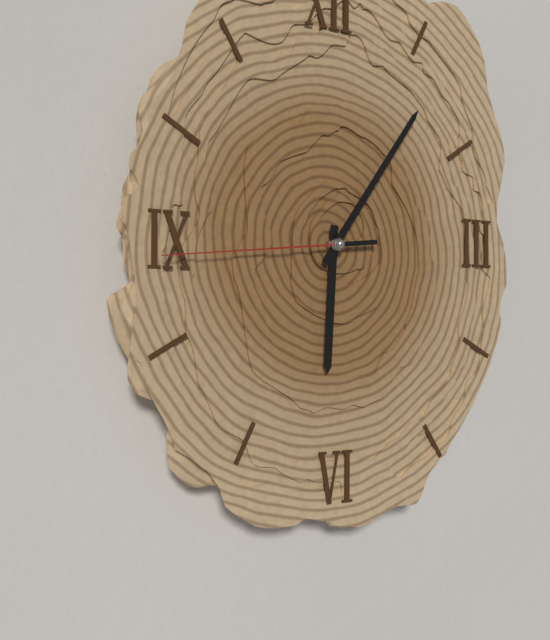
6:06:44
